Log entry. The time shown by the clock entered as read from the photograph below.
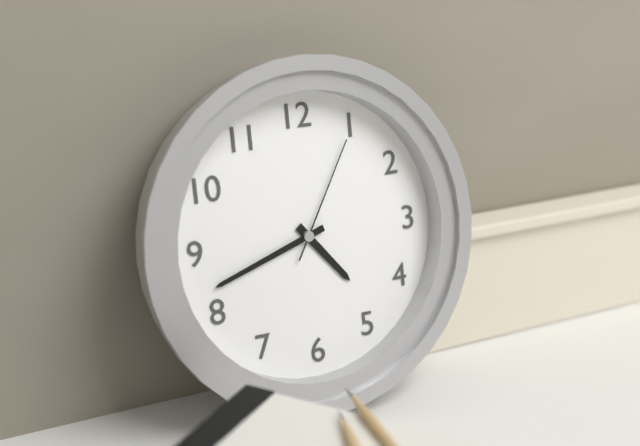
4:42:05
